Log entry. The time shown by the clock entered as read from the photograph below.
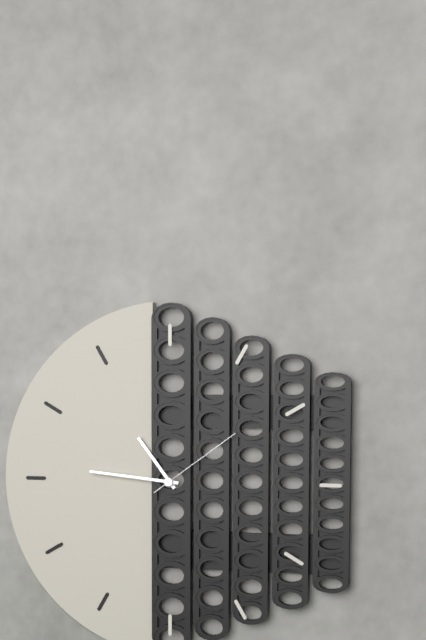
10:46:09
